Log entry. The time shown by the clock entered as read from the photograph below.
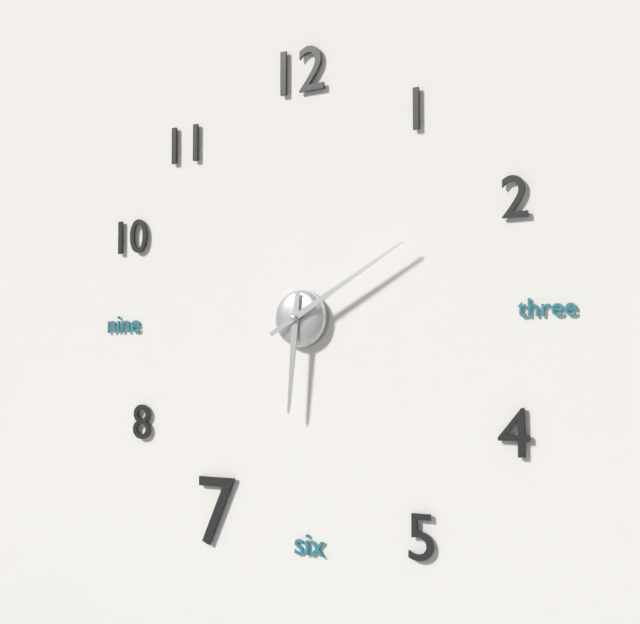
6:10
